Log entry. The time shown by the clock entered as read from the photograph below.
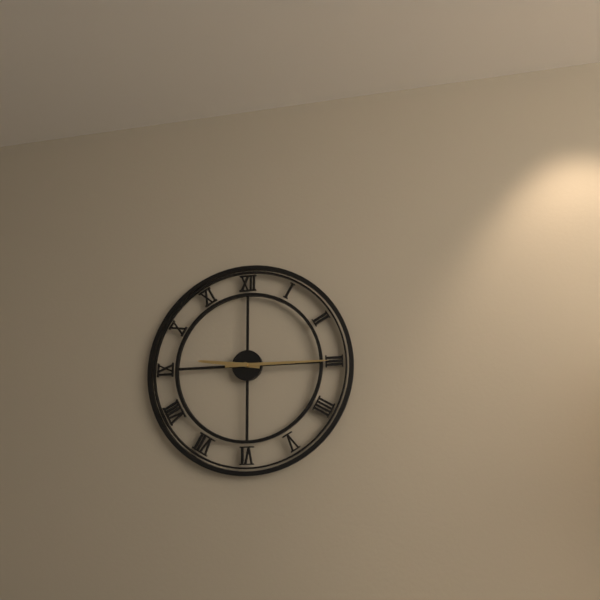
9:15
